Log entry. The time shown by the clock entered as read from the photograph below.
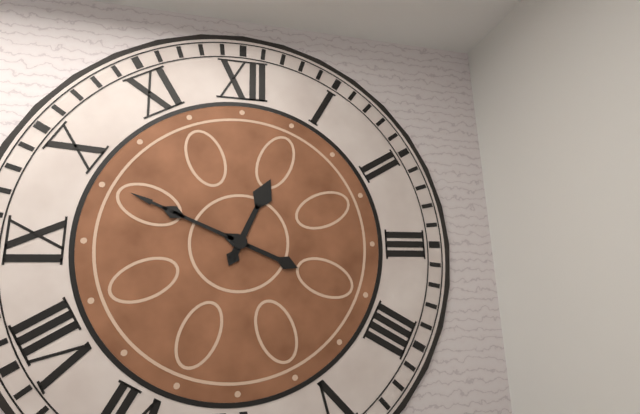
12:49
